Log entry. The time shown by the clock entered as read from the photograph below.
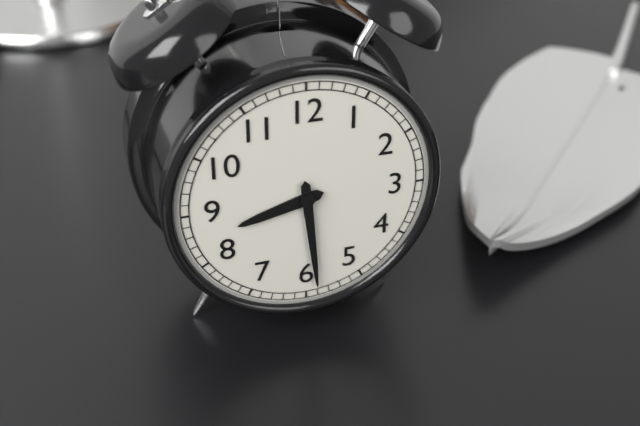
8:29
